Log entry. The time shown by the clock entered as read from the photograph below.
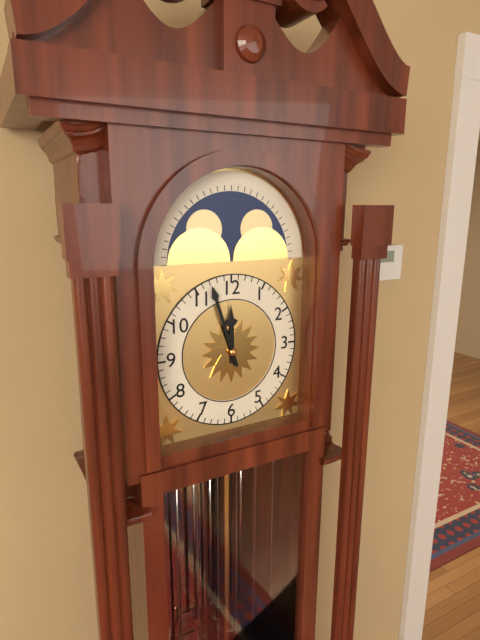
11:57
